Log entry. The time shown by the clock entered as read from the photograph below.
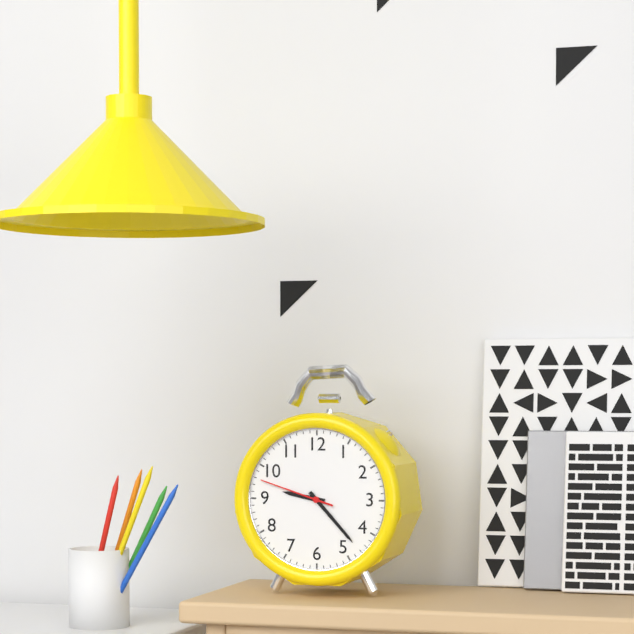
9:23:48
